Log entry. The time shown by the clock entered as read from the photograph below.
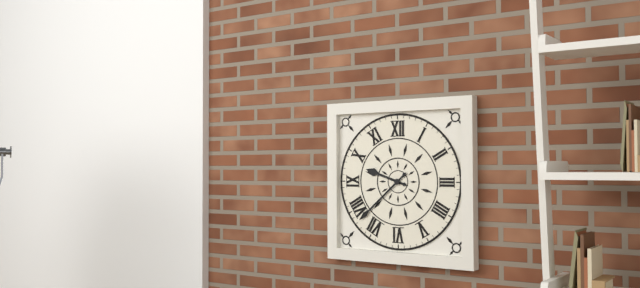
9:38
